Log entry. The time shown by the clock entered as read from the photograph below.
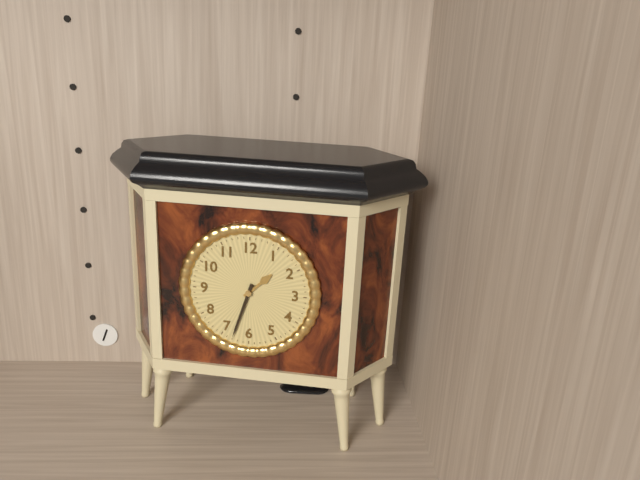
1:33
